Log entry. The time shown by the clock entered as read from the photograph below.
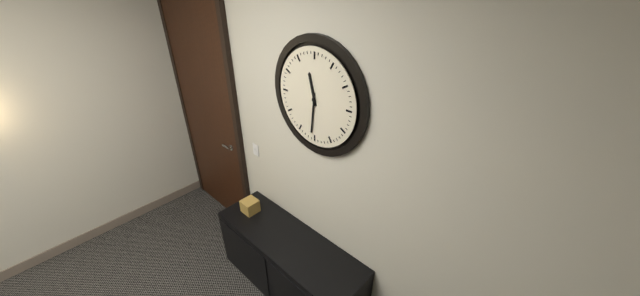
11:31
